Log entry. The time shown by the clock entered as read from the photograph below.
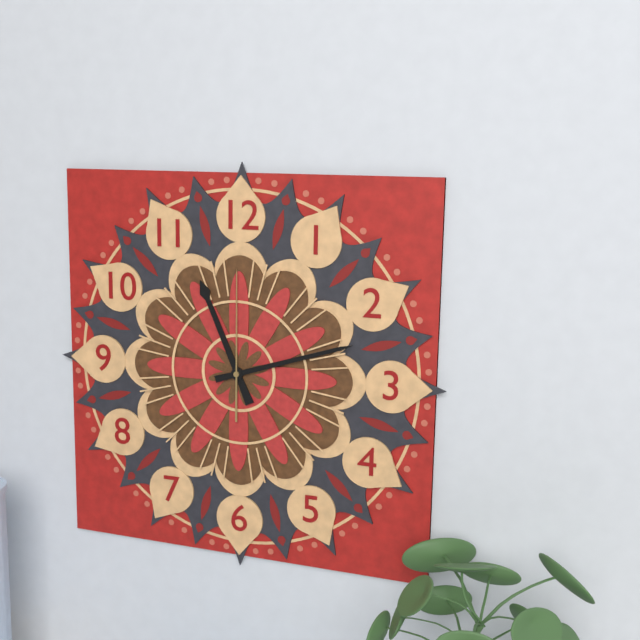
11:12:00
